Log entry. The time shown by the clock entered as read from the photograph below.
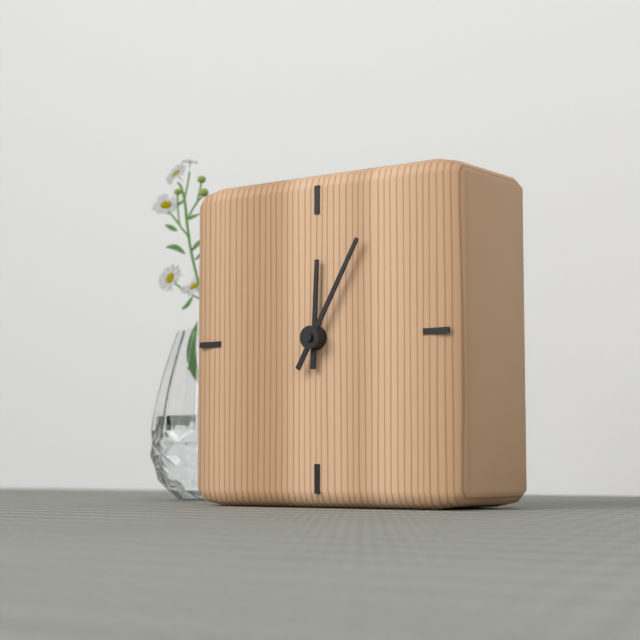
12:05
